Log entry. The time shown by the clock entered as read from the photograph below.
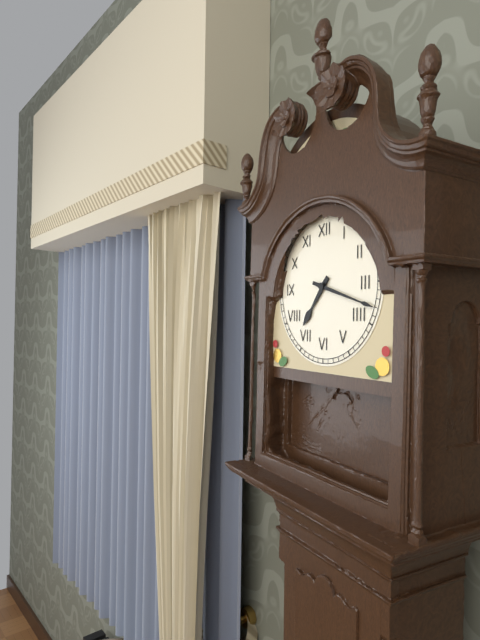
7:18
